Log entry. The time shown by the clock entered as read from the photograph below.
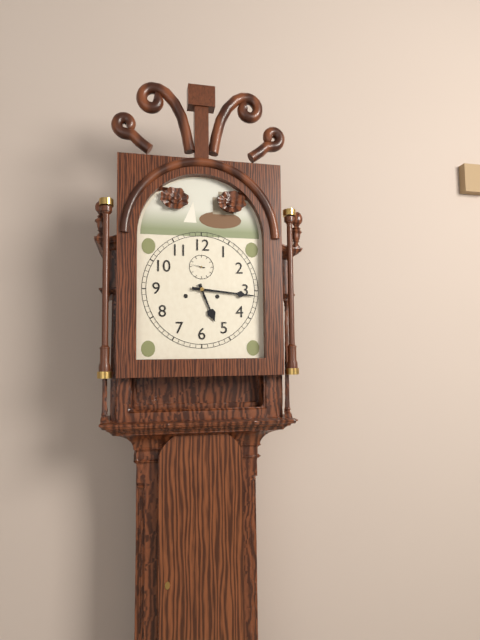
5:16
